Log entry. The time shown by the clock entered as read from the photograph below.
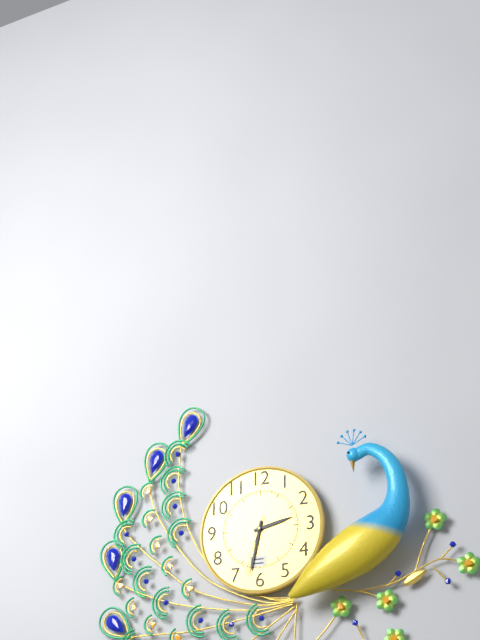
2:32:33
